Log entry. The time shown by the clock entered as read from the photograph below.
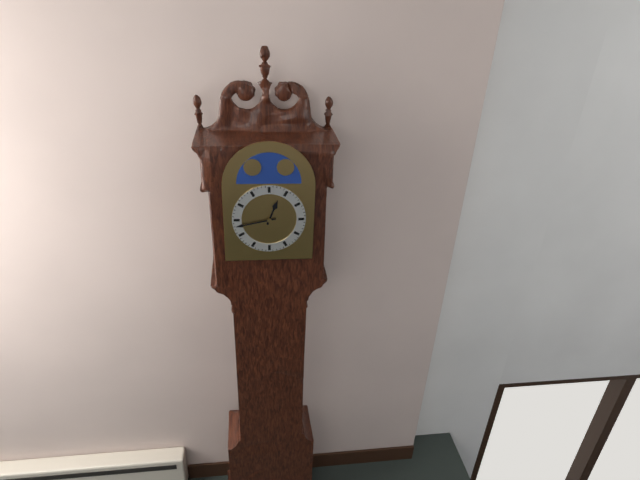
12:43
